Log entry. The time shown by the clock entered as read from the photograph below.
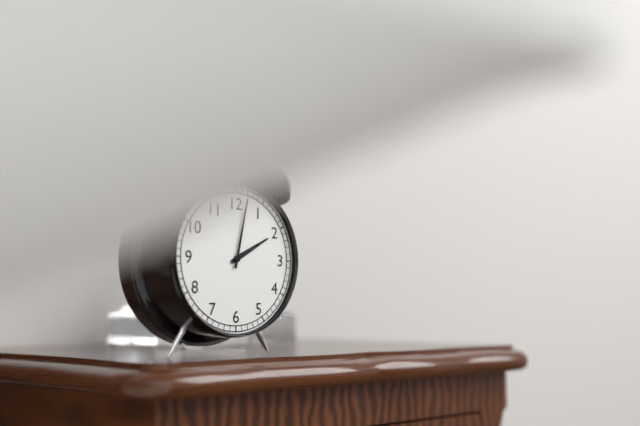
2:02
